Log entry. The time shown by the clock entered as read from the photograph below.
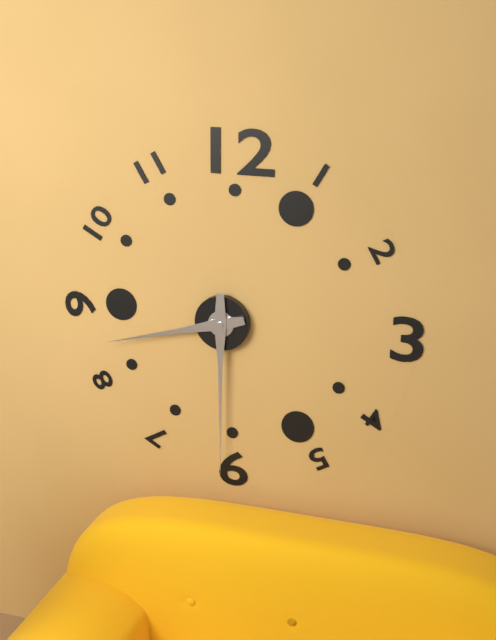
8:30
